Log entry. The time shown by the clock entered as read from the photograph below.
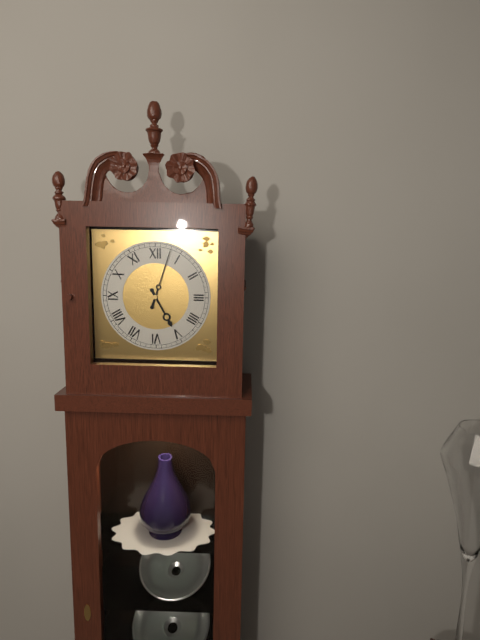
5:03
